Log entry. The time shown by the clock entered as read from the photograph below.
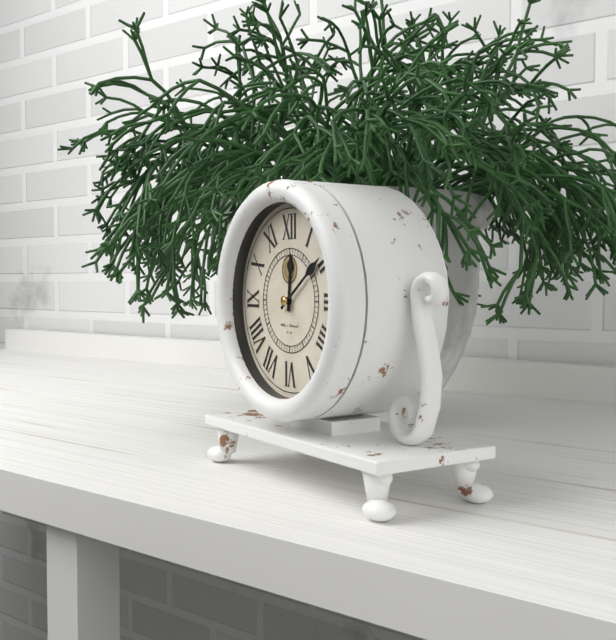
12:09
